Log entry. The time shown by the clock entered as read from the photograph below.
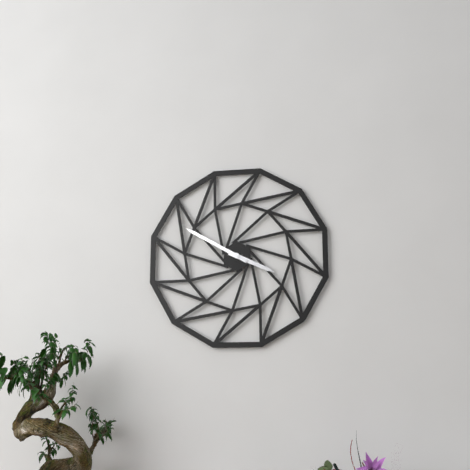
3:50
